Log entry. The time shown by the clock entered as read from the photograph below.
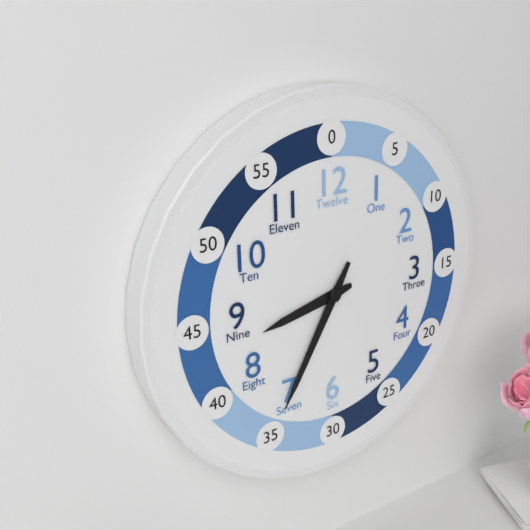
8:35
